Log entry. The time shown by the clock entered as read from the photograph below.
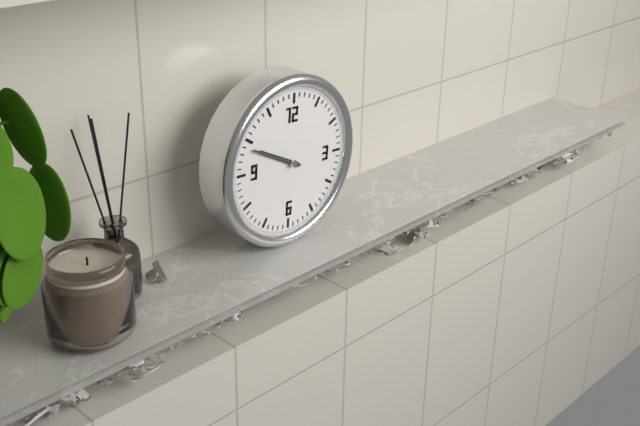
9:49
